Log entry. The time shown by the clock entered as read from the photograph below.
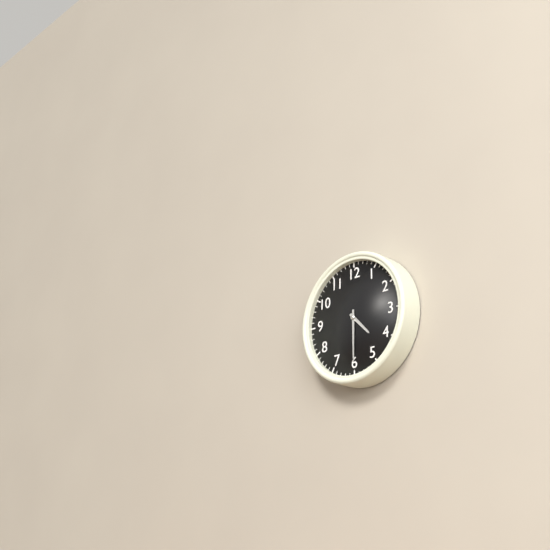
4:30
